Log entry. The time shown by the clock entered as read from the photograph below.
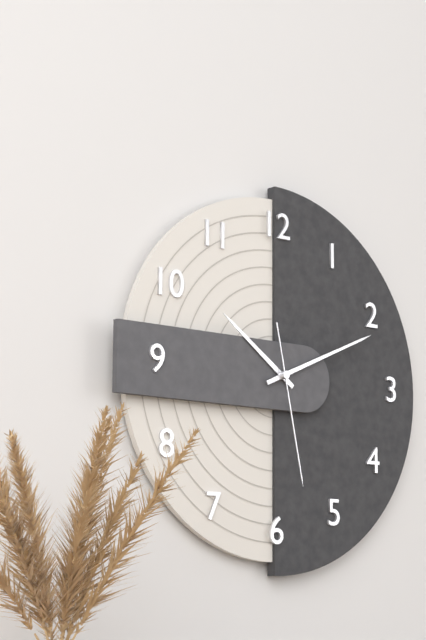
10:11:28
